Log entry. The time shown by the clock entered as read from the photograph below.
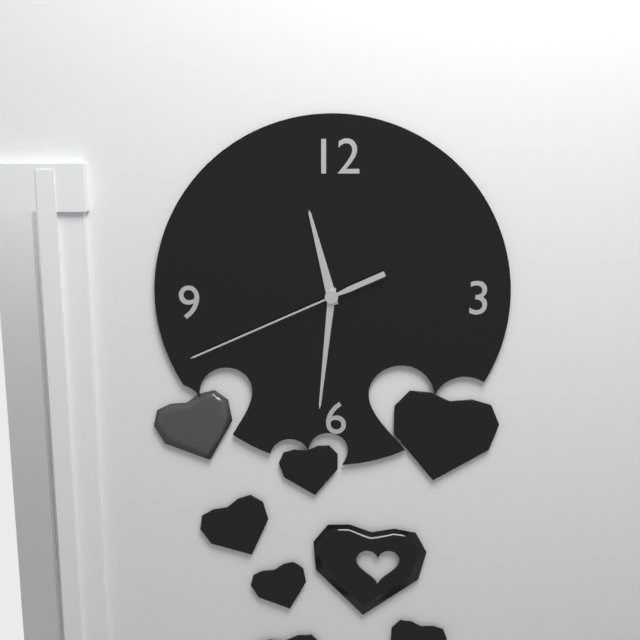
11:31:41
